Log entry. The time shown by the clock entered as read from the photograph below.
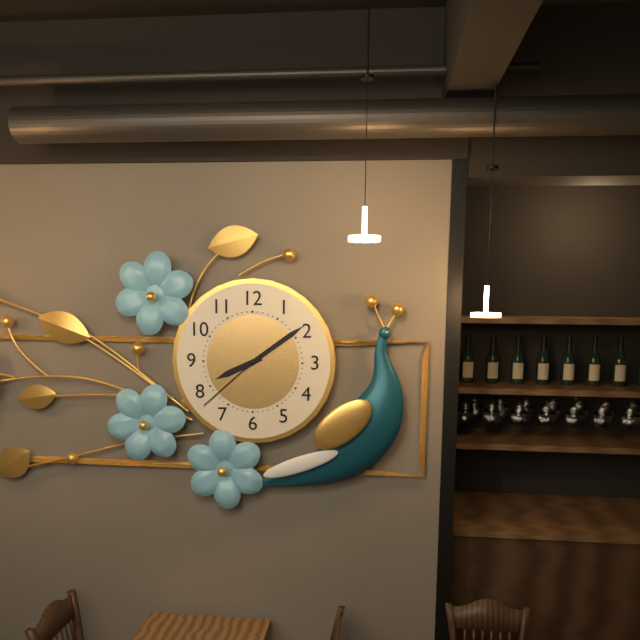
8:09:38
